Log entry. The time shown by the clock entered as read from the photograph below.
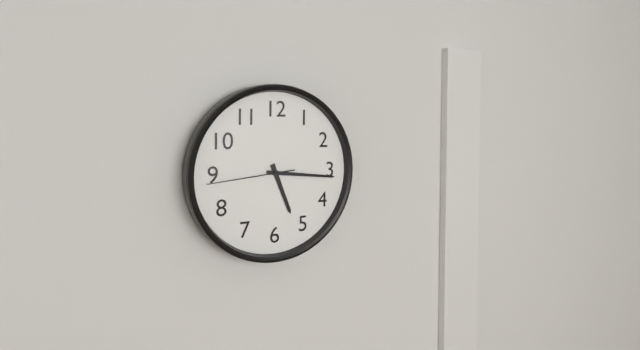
5:16:44
